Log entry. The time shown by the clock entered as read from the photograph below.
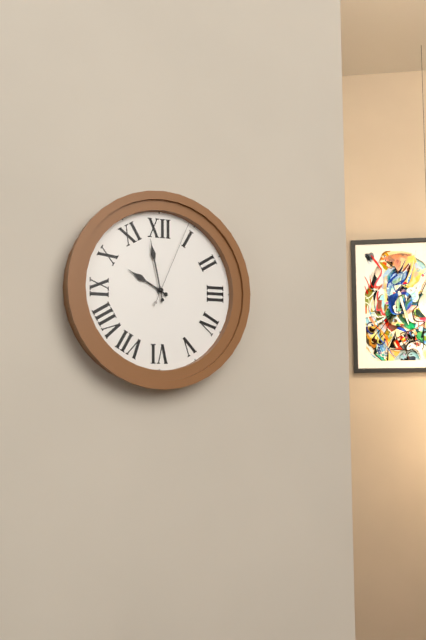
9:58:04
